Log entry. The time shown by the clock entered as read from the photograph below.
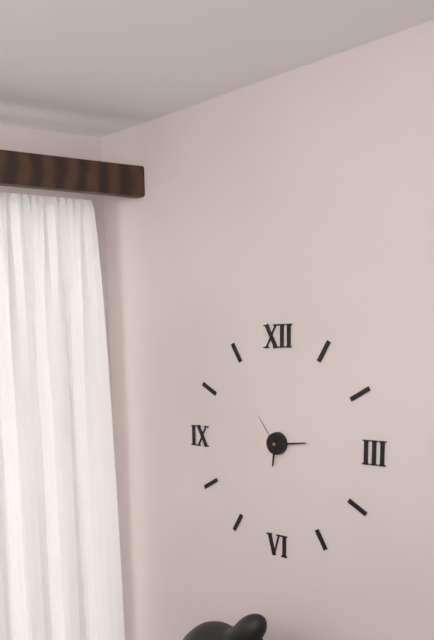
6:14
